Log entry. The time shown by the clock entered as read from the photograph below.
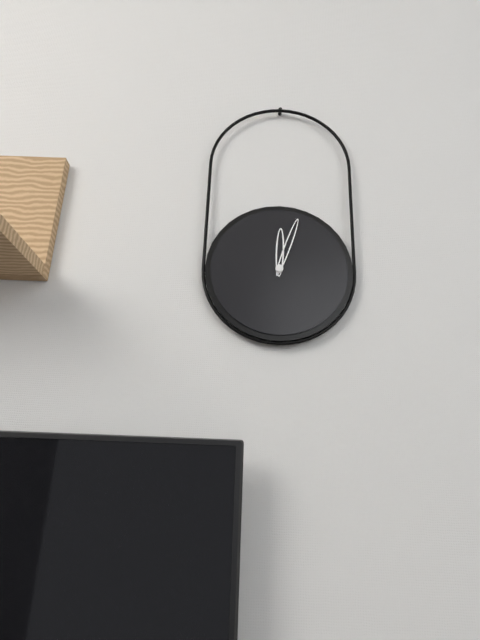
12:03
